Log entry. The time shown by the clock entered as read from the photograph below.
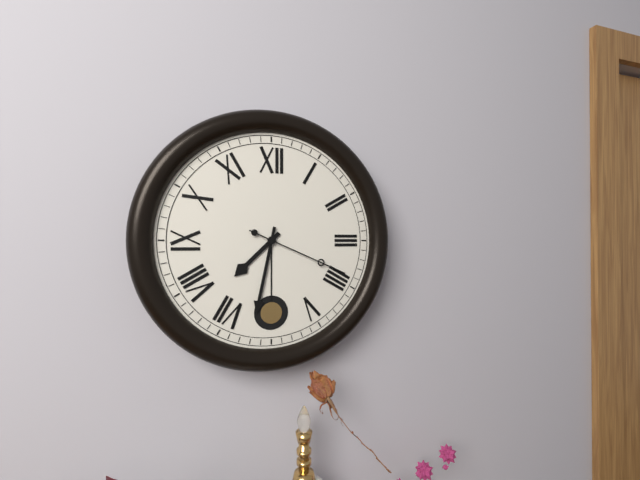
7:32:19
